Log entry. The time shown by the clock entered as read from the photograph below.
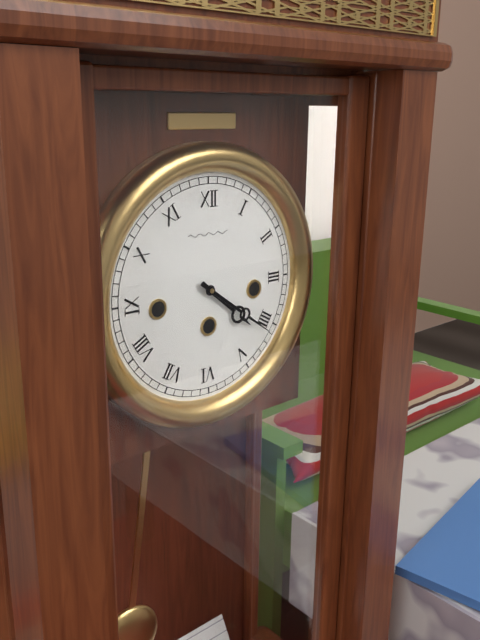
4:21
